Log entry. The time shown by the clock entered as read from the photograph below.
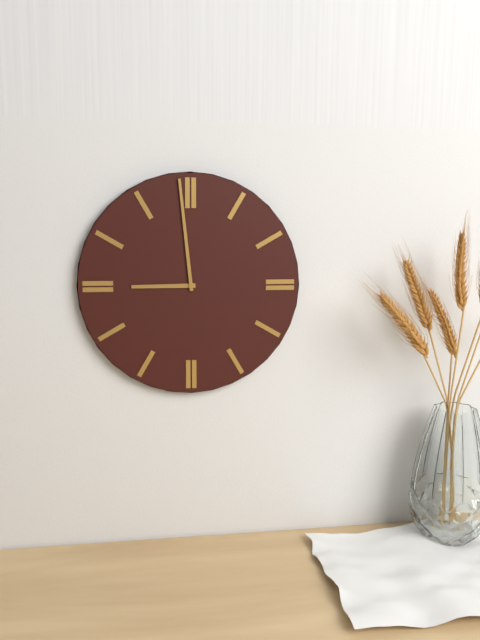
8:59
